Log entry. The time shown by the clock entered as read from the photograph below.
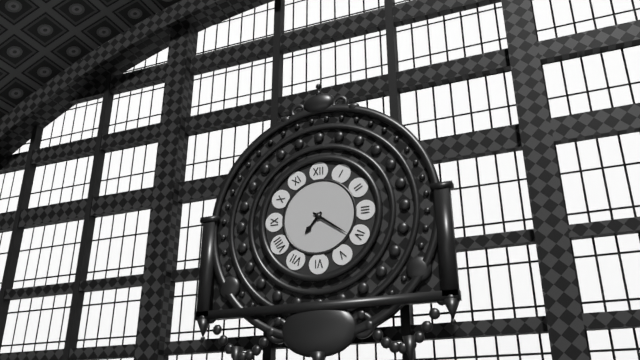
7:21
